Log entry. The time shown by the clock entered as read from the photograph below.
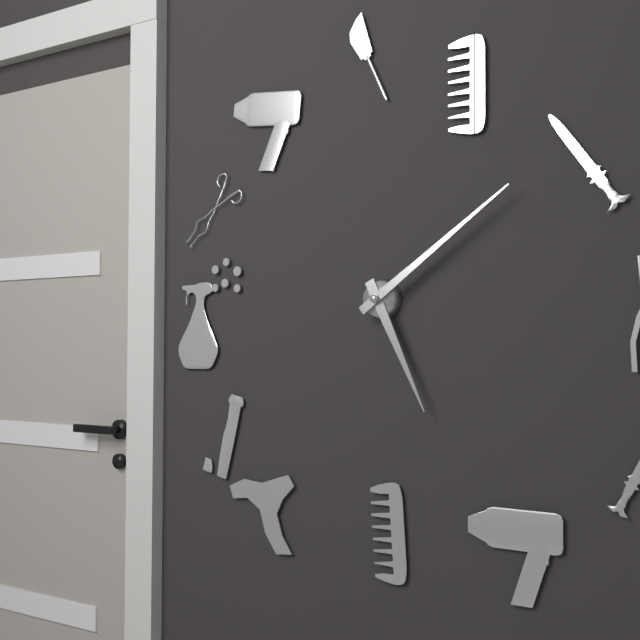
5:09
